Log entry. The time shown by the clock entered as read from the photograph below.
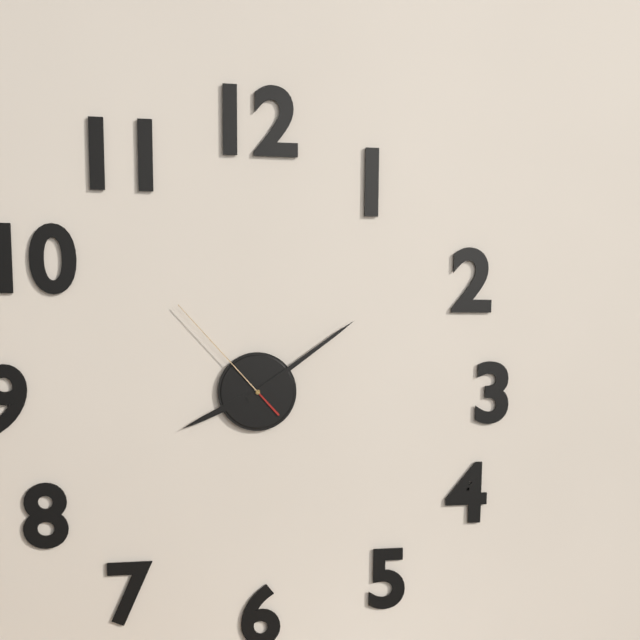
8:09:53
